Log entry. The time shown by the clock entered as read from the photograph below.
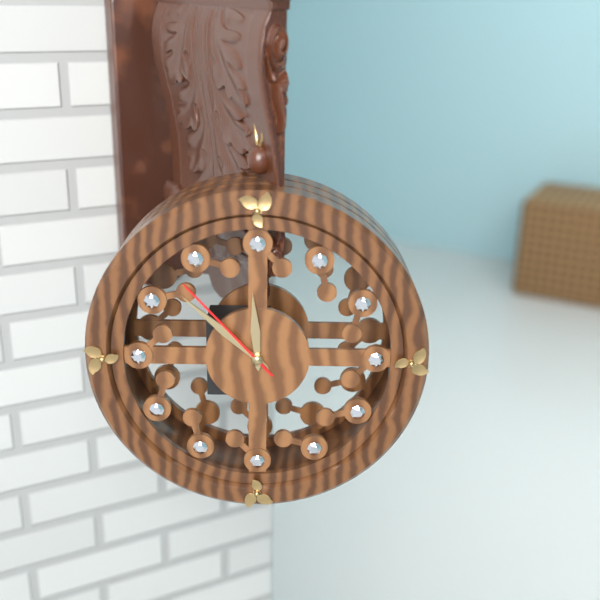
11:52:53
